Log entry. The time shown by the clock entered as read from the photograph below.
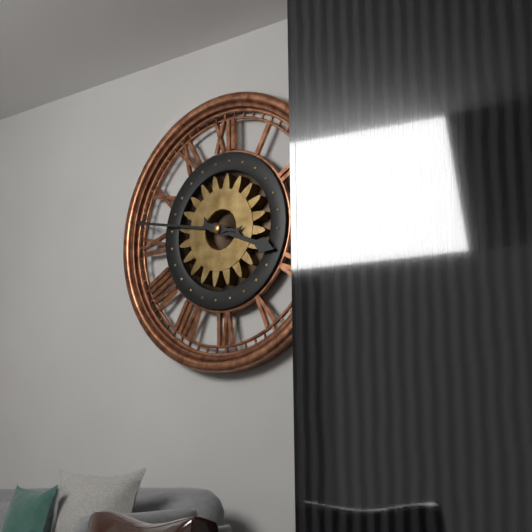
3:47
